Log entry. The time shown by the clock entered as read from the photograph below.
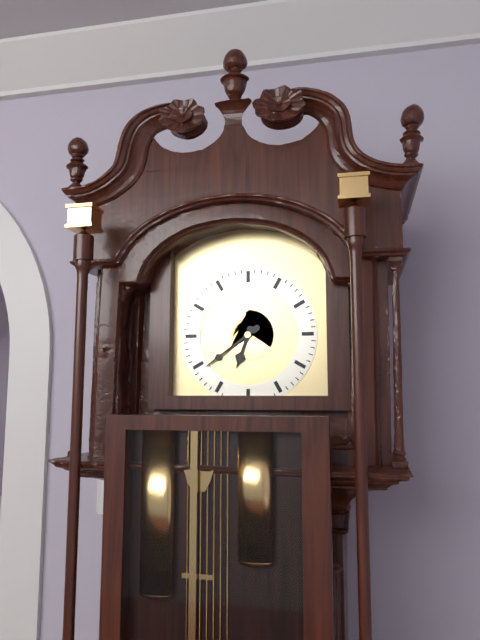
6:39
